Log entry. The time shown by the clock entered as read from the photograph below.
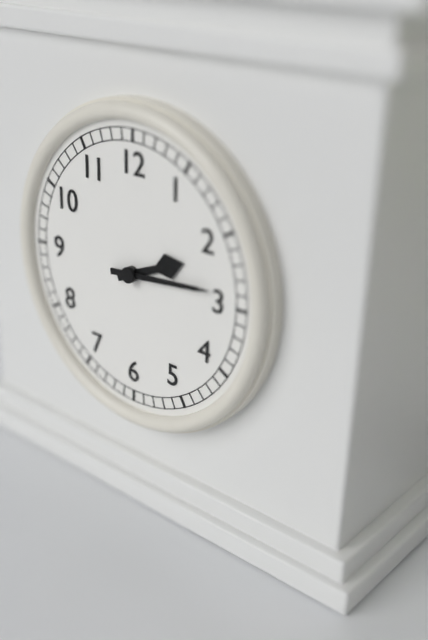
2:14
